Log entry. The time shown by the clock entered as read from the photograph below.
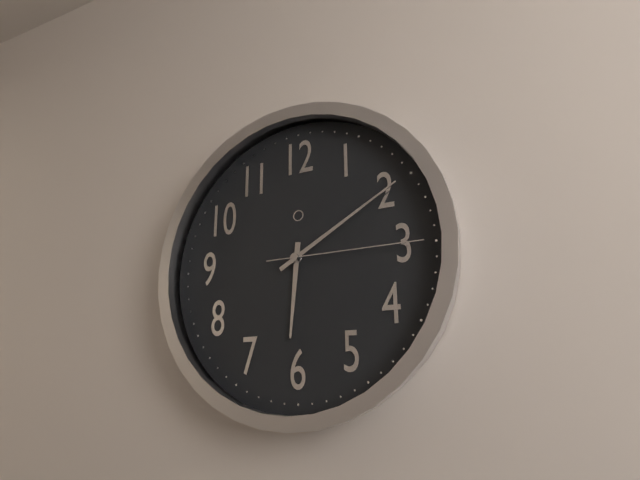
6:10:15
